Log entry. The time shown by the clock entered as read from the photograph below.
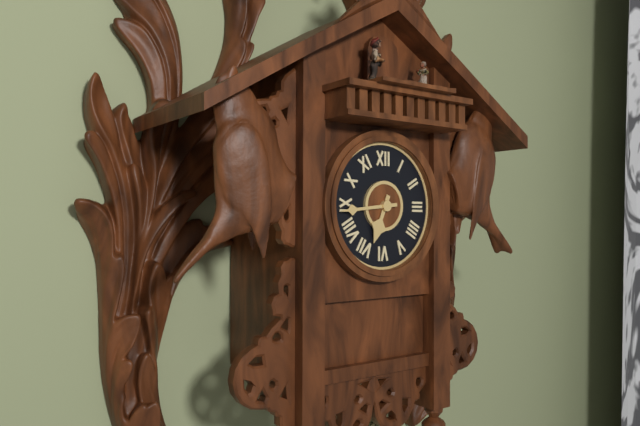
6:44
